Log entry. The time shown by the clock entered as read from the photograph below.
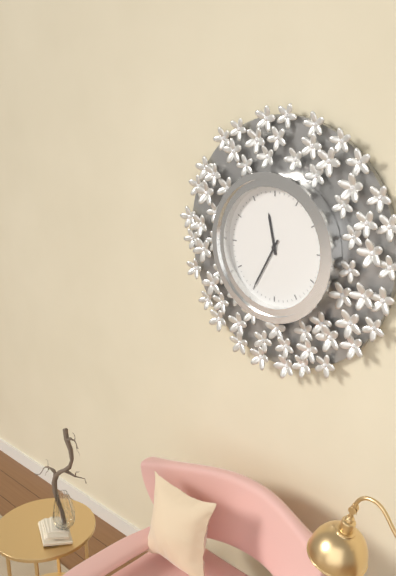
11:35
